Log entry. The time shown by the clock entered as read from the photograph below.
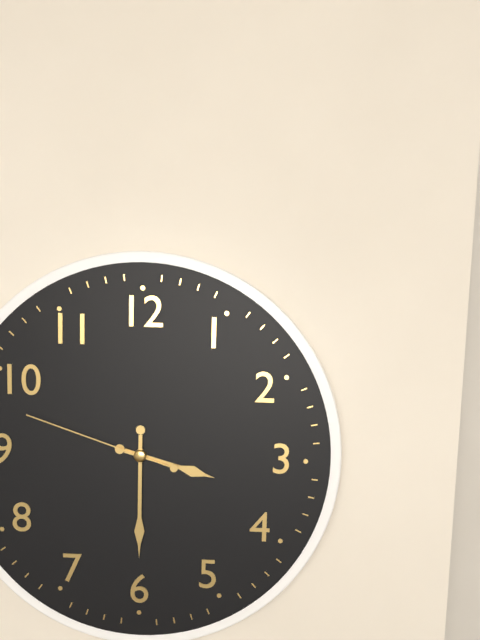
3:30:48
